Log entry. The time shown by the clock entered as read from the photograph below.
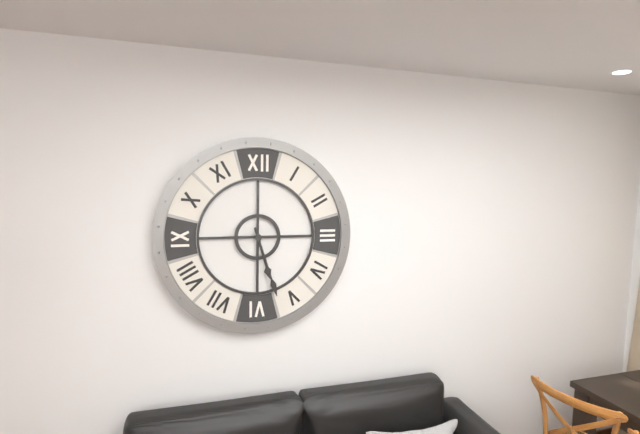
5:27
